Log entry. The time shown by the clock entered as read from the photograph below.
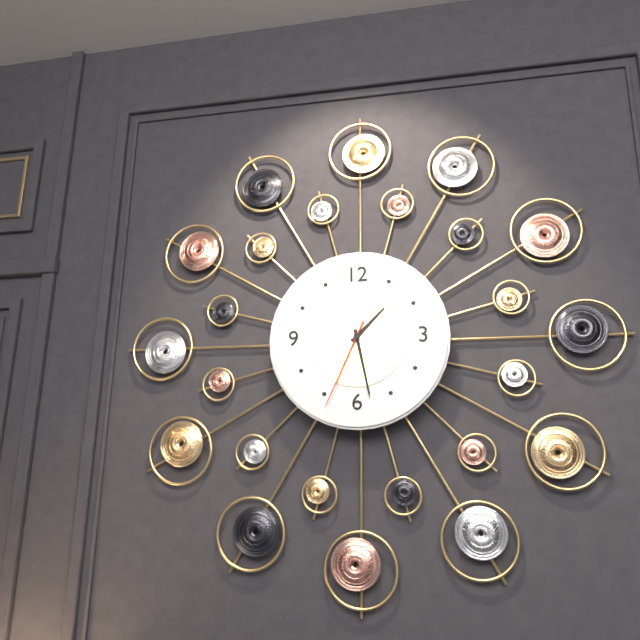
1:28:34
